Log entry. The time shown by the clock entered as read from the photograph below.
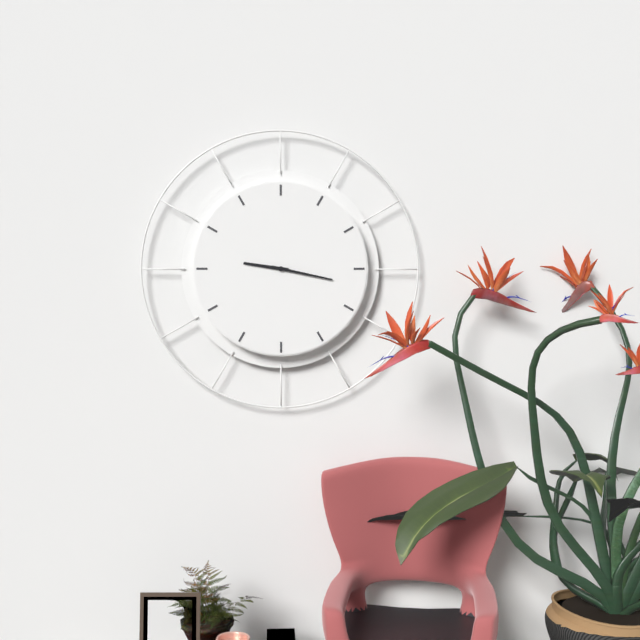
9:17
